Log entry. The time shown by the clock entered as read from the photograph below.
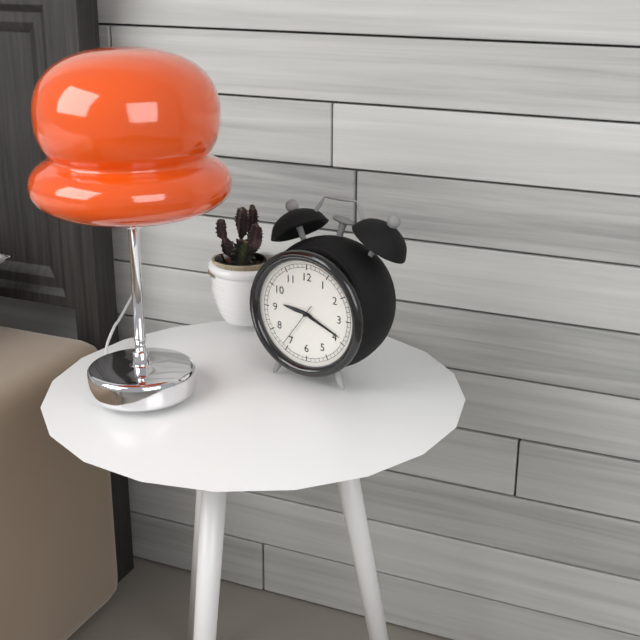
9:19
